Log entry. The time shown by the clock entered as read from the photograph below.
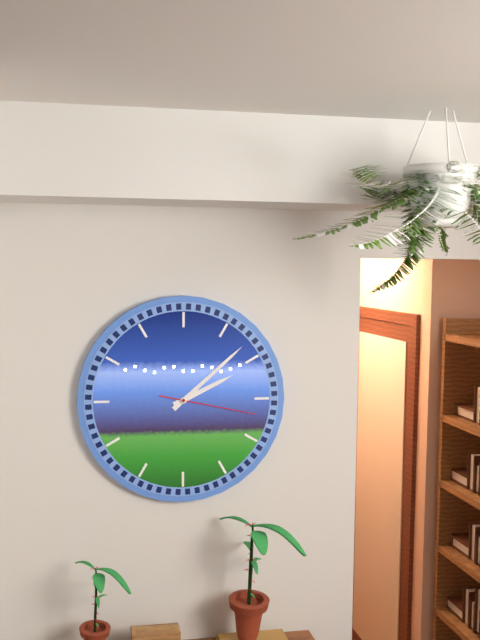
2:08:17
